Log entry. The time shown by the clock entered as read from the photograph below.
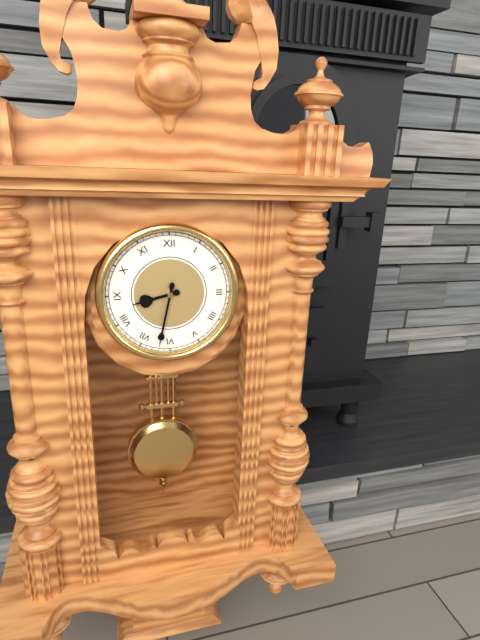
8:32
